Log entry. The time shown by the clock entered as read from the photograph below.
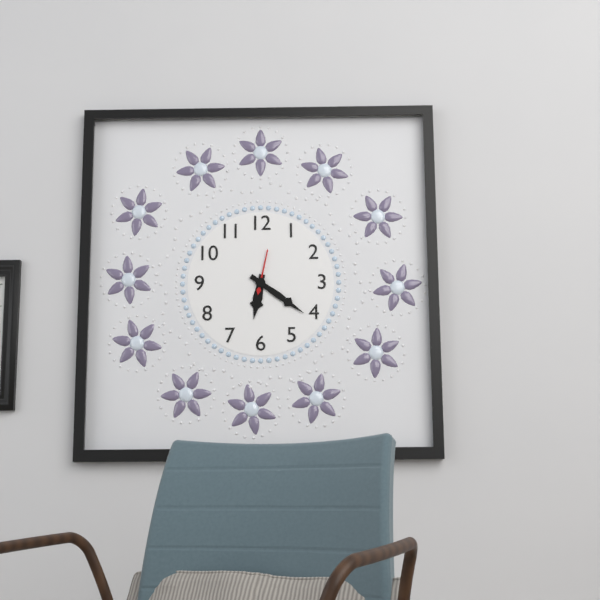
6:21
